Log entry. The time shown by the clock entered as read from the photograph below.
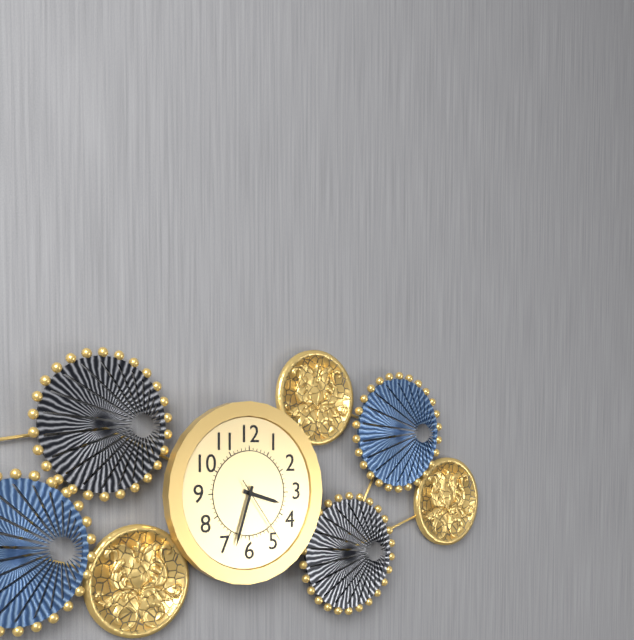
3:33:24
